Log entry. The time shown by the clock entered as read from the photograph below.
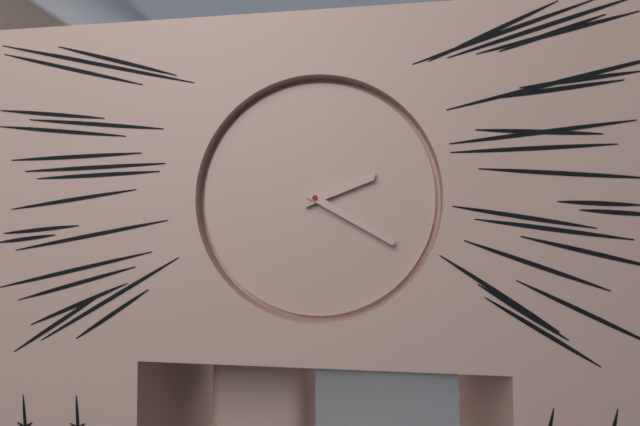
2:20
